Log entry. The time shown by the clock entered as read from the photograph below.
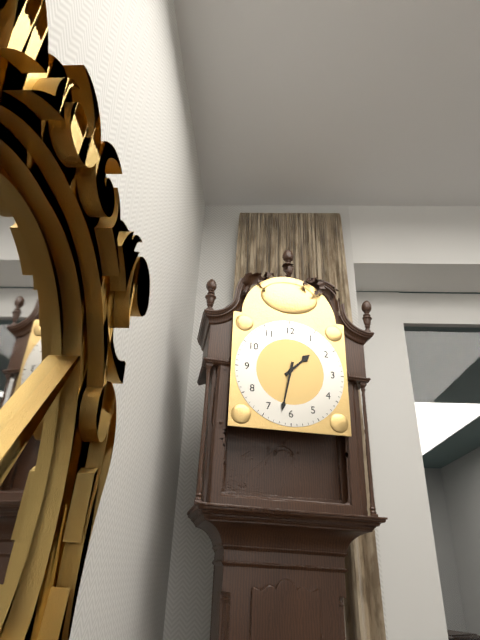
1:32
